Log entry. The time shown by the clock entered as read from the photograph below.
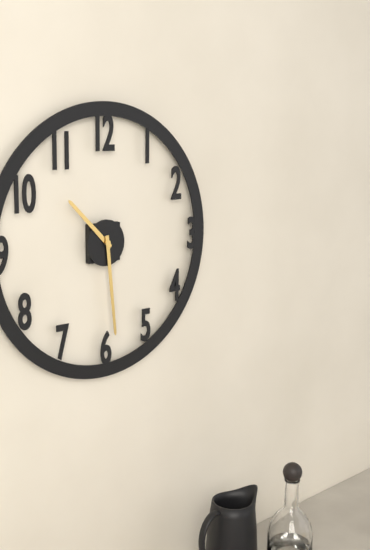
10:29
